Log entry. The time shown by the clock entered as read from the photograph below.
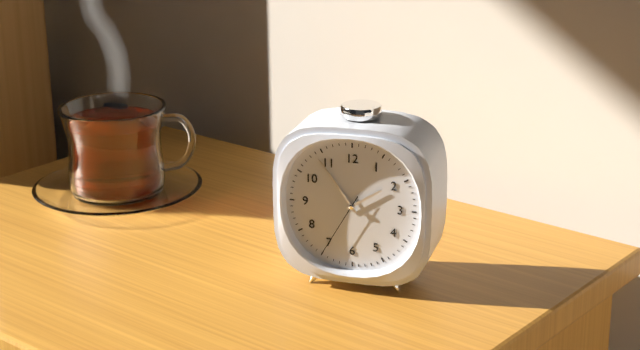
1:54:35
